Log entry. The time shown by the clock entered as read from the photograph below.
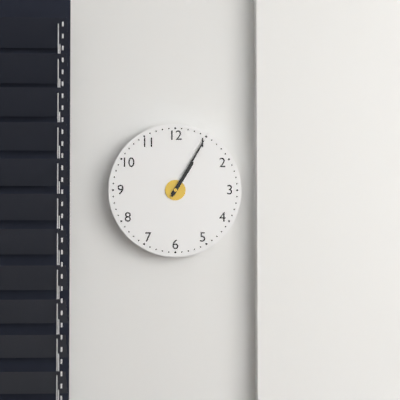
1:05
